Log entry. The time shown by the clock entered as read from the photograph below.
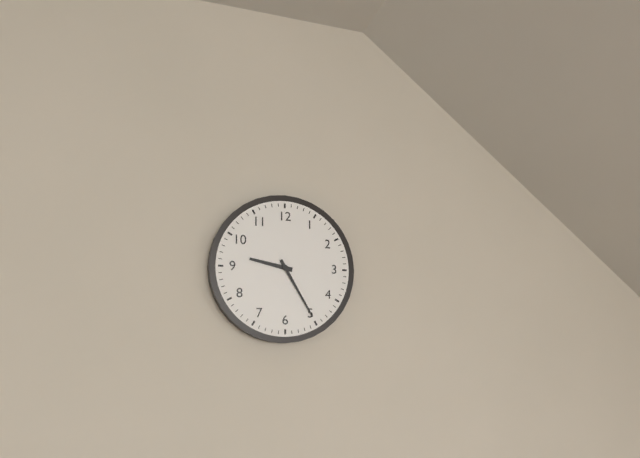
9:25
